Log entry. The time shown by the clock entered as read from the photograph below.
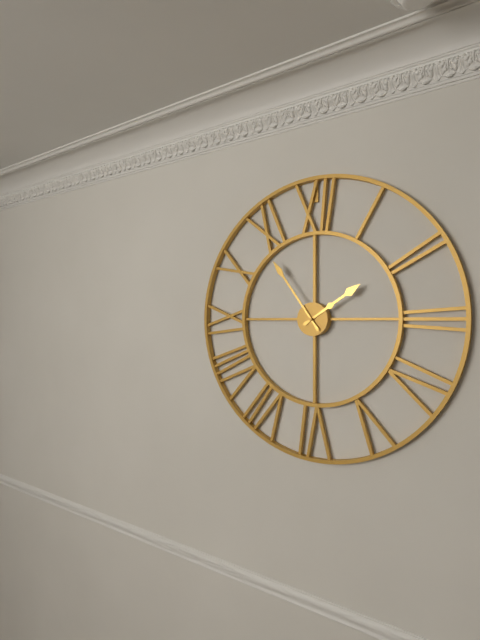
1:54
